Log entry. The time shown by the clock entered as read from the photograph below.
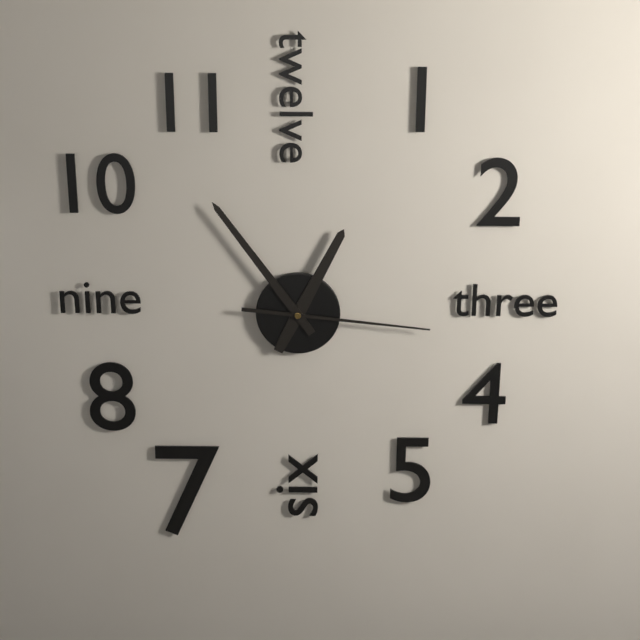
12:54:16
